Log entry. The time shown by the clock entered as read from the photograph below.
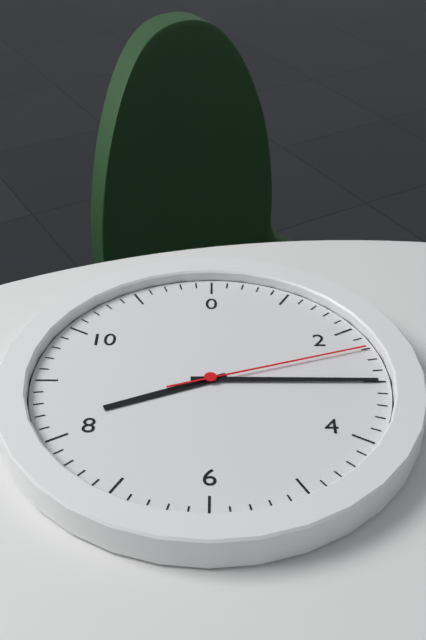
8:15:12
